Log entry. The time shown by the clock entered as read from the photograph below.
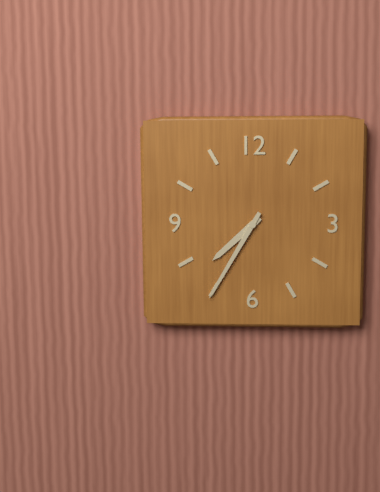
7:35
